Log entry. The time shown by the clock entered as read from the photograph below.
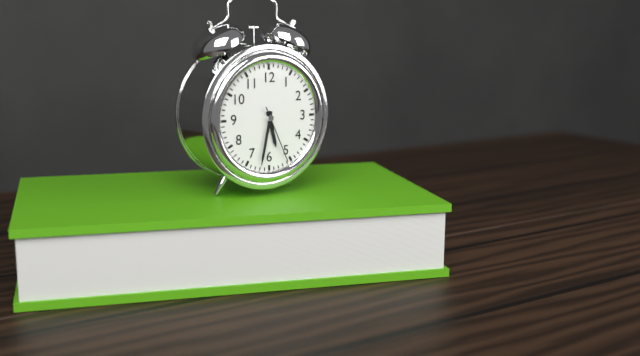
5:32:26
